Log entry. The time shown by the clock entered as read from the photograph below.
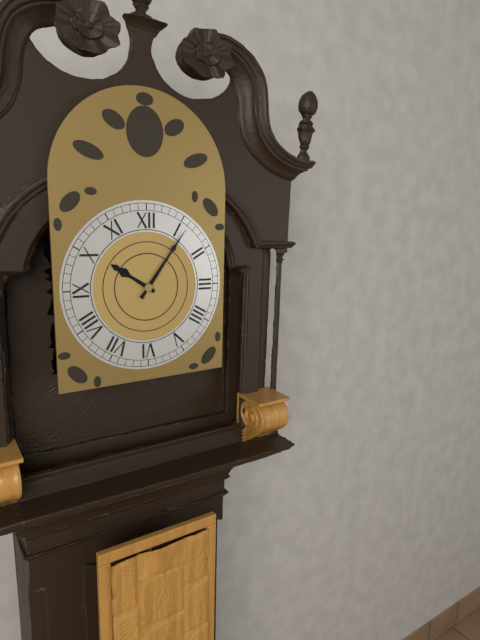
10:06
